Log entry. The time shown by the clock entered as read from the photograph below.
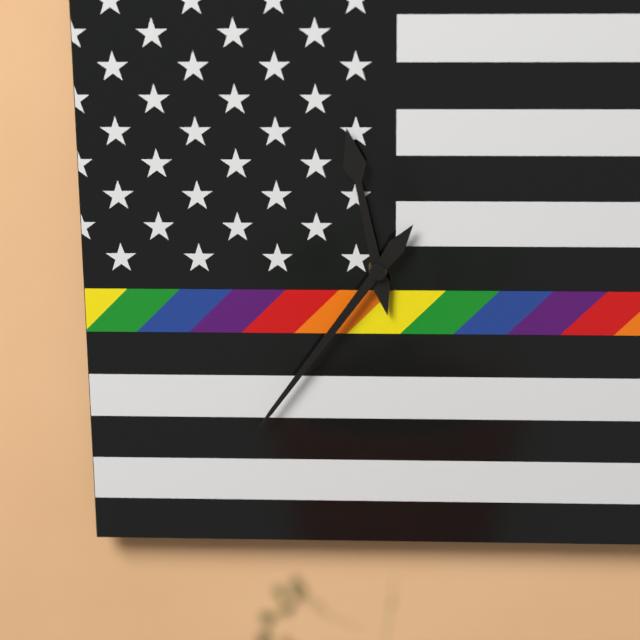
11:36
